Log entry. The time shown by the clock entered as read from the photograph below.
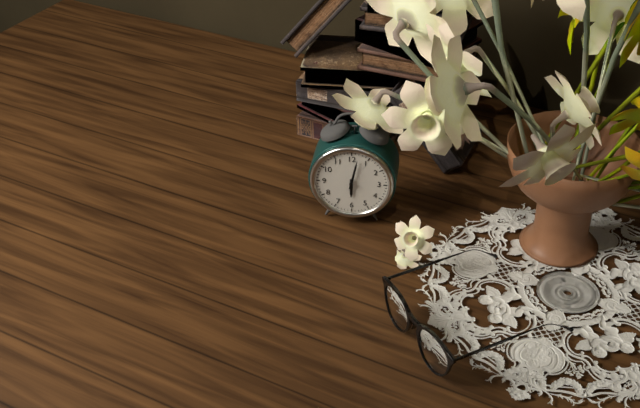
6:02
